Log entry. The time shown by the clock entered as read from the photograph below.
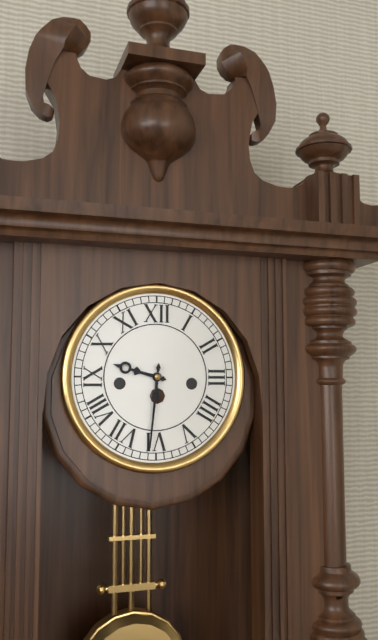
9:31
